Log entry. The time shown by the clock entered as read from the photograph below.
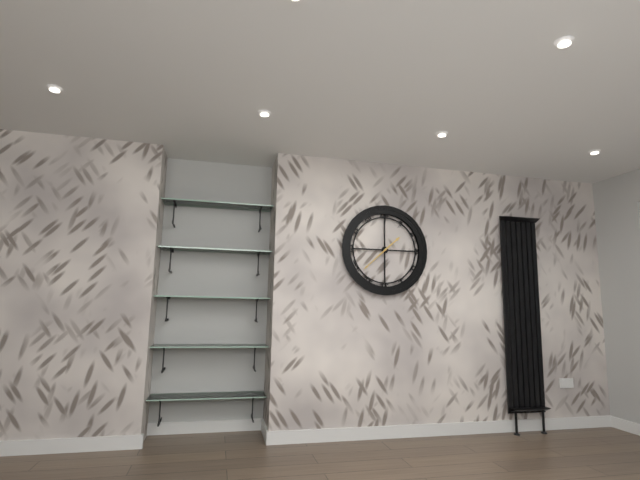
1:38
